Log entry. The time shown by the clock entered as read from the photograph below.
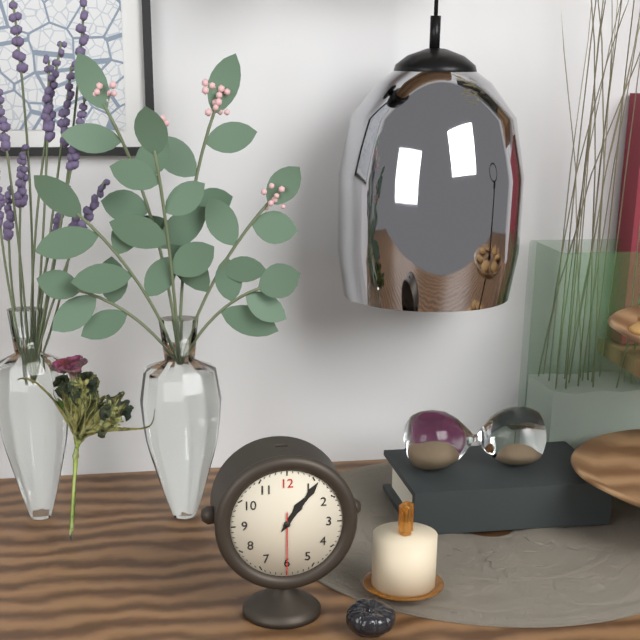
1:06:30
